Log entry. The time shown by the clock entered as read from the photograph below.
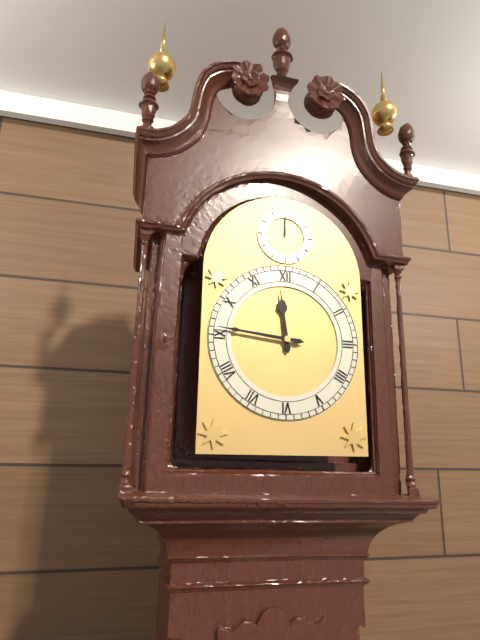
11:46
